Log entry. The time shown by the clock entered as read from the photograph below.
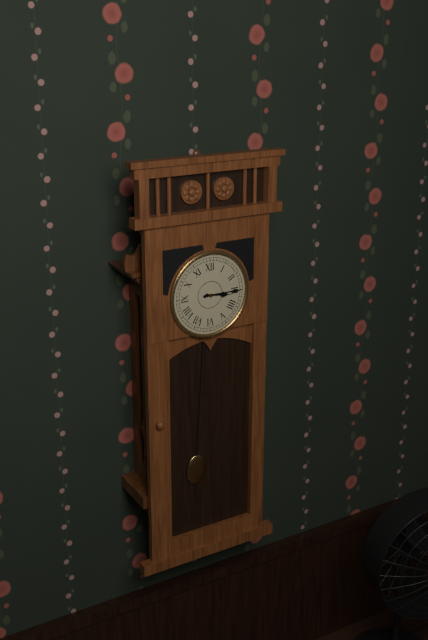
3:15
